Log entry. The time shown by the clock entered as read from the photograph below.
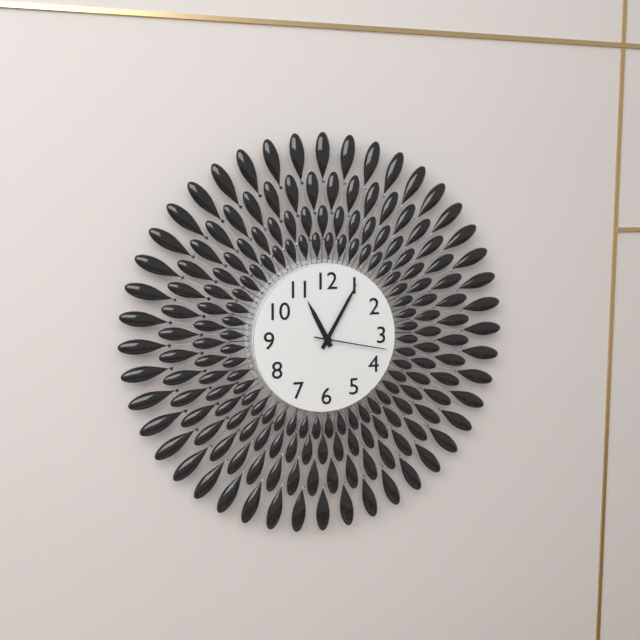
11:05:17
